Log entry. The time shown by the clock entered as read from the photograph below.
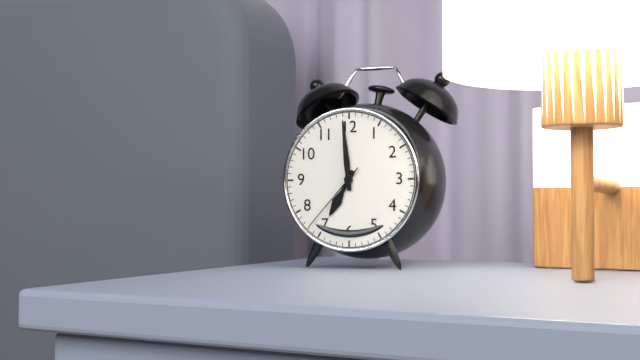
6:59:37
